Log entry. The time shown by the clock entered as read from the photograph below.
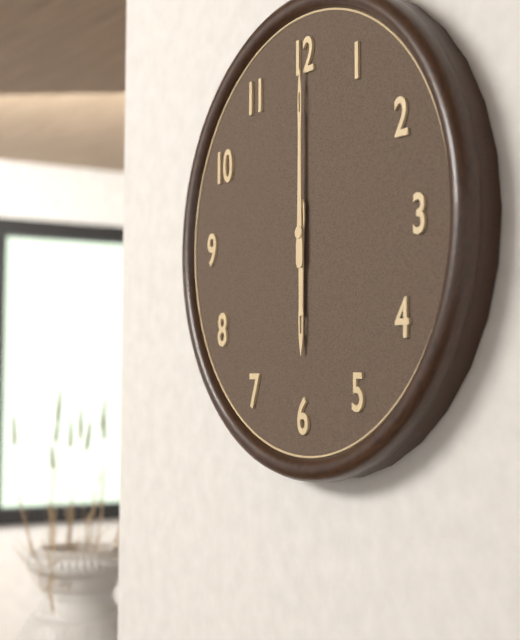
6:00
